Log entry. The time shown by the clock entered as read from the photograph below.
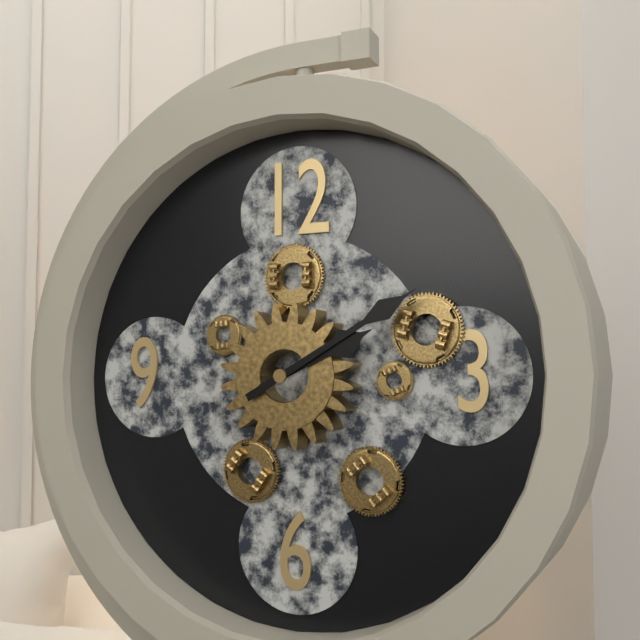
2:10
